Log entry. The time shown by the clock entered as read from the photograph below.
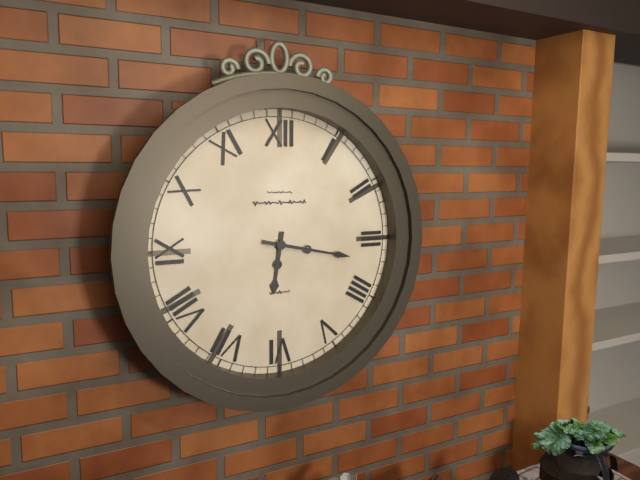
6:17
